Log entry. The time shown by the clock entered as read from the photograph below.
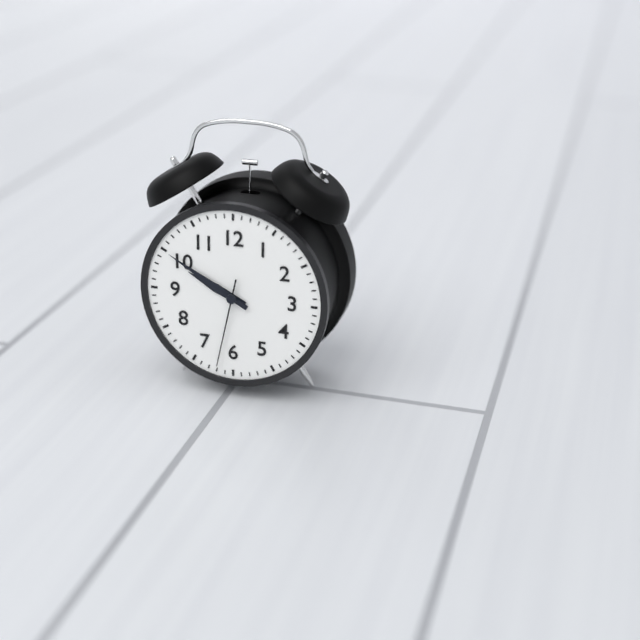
9:50:32
